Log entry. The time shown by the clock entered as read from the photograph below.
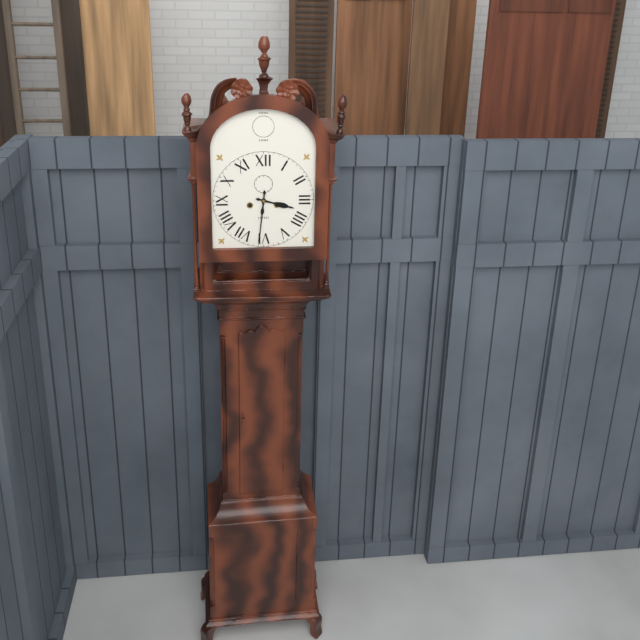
3:31
